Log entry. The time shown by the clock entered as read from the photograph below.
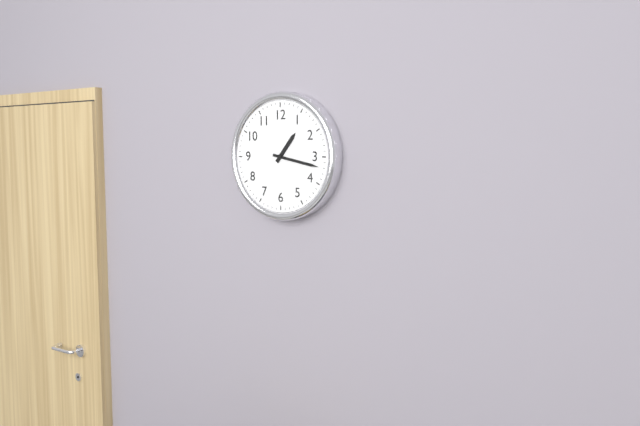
1:17
